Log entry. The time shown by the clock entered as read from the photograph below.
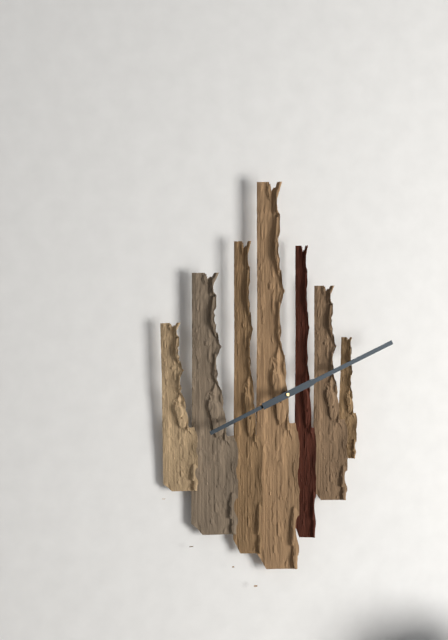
8:11
